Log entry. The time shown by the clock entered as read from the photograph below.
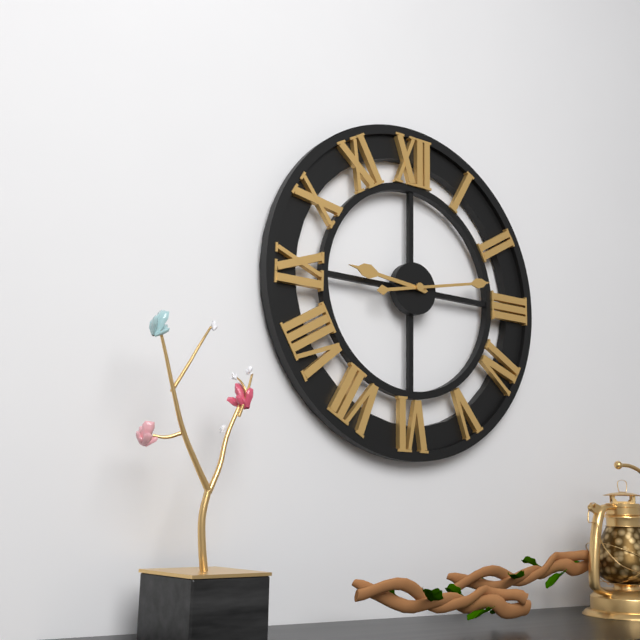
9:13
